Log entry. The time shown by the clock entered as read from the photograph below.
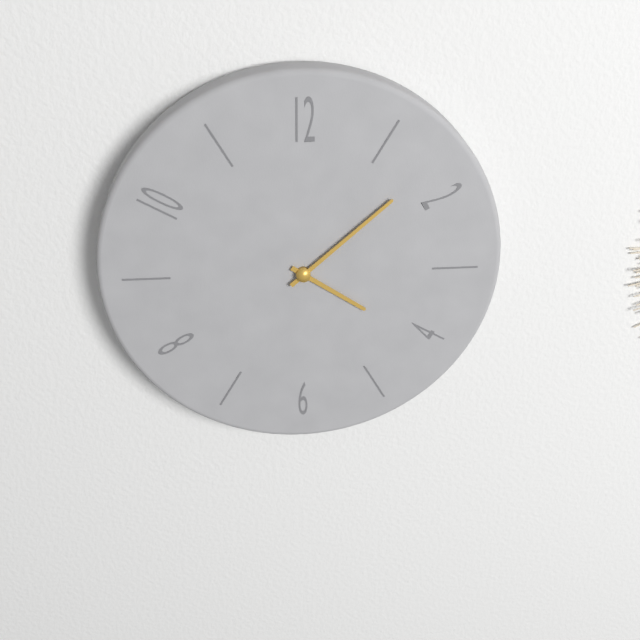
4:08
